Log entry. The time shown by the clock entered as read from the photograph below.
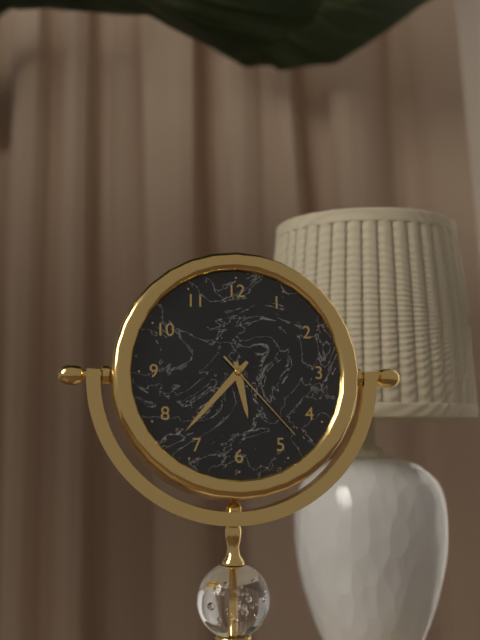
5:37:23
